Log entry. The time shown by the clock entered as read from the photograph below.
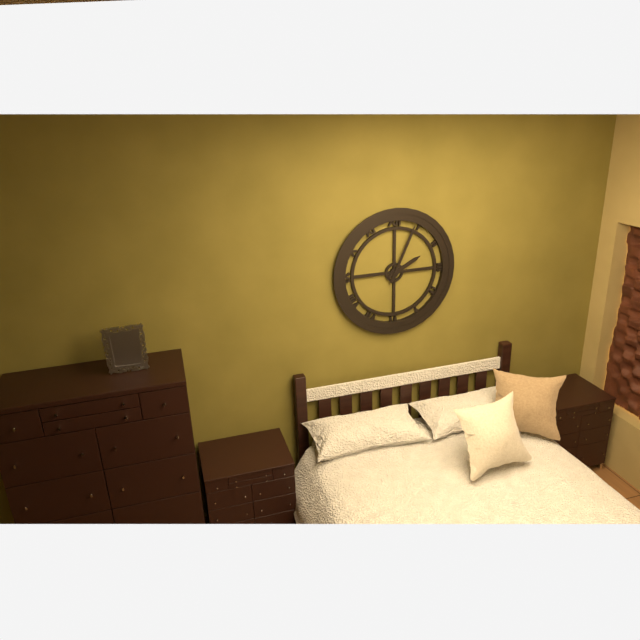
2:04
